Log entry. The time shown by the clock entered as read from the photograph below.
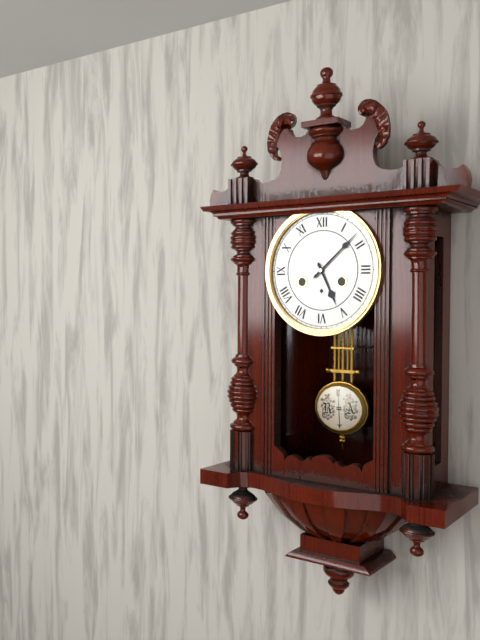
5:08
